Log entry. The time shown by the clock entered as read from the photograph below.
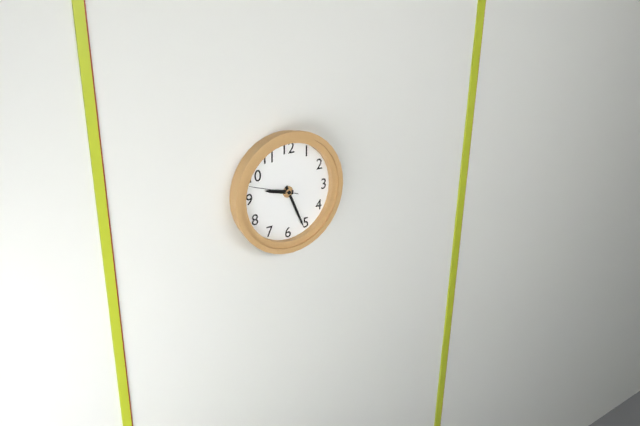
9:26
